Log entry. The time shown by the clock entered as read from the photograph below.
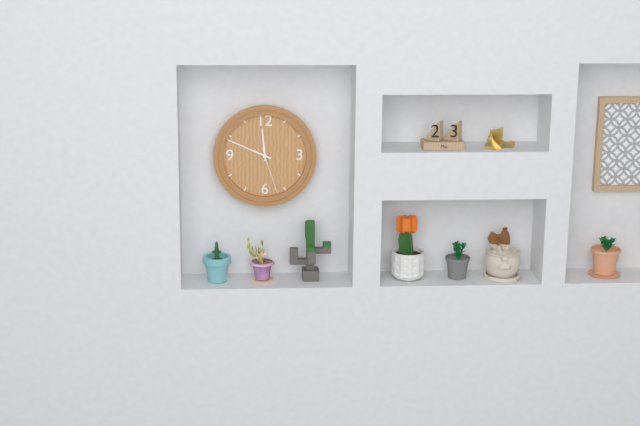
11:49:27
